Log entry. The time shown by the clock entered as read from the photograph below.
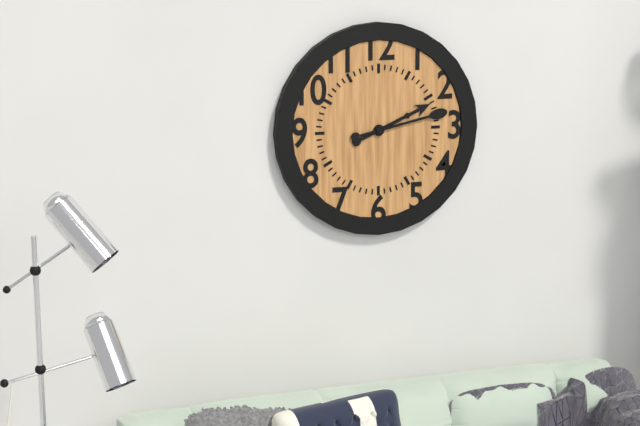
2:13
